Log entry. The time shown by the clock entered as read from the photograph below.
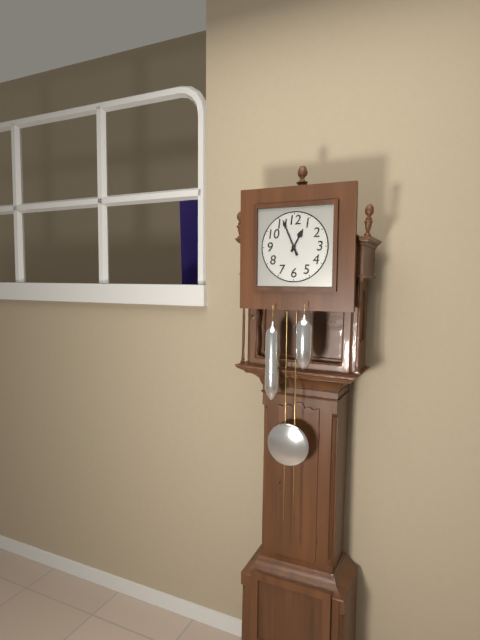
12:56
